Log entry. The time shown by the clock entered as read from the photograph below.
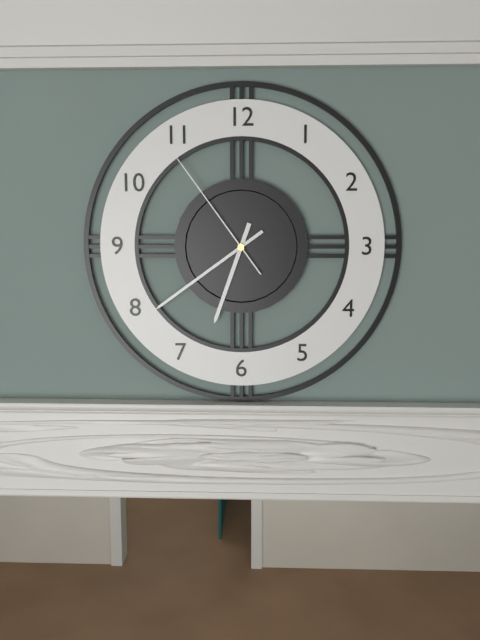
6:39:54
